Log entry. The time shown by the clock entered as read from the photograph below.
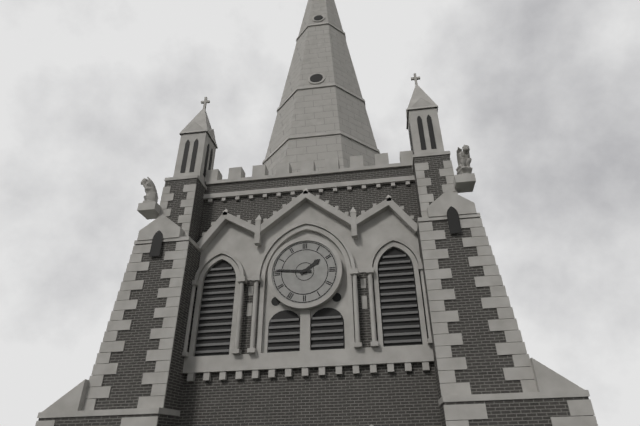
1:46
